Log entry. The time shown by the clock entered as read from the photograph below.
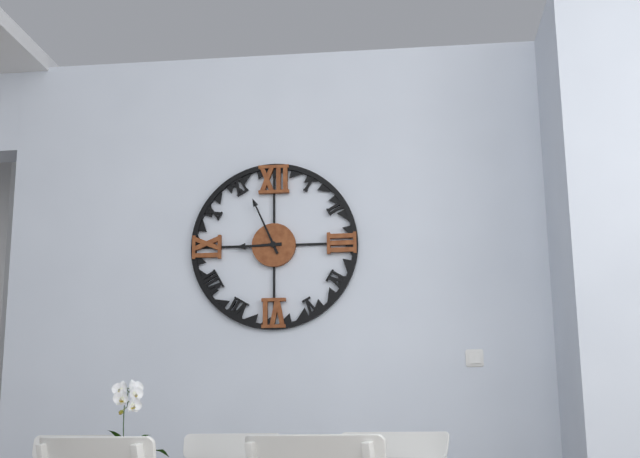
8:56
